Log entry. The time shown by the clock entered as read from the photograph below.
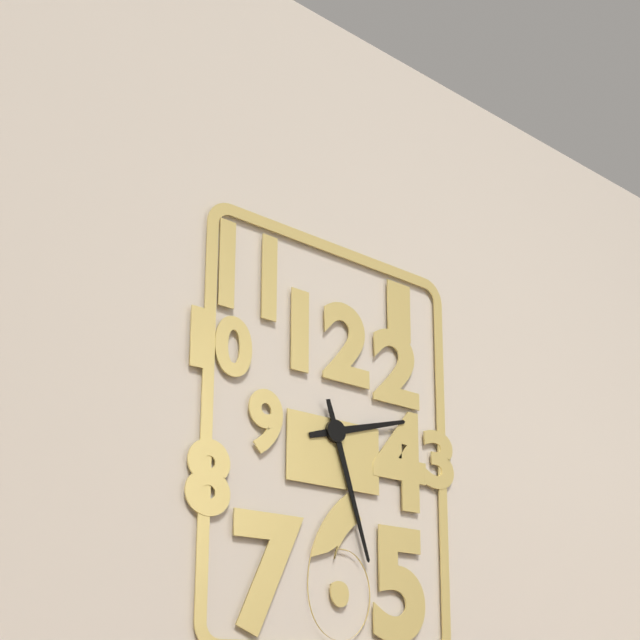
2:27
